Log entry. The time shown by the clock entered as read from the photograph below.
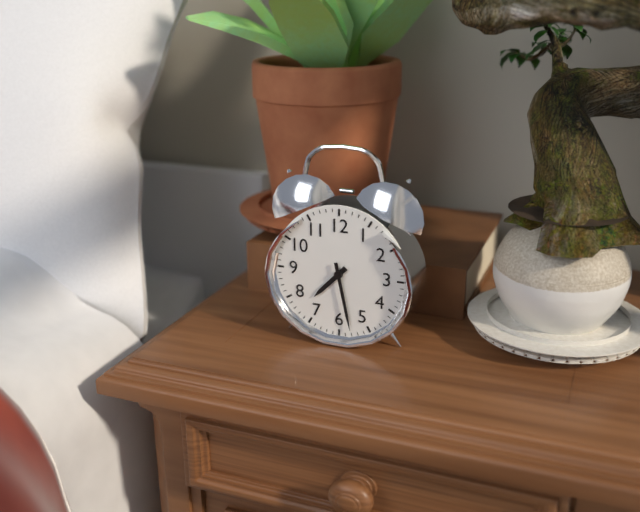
7:28
